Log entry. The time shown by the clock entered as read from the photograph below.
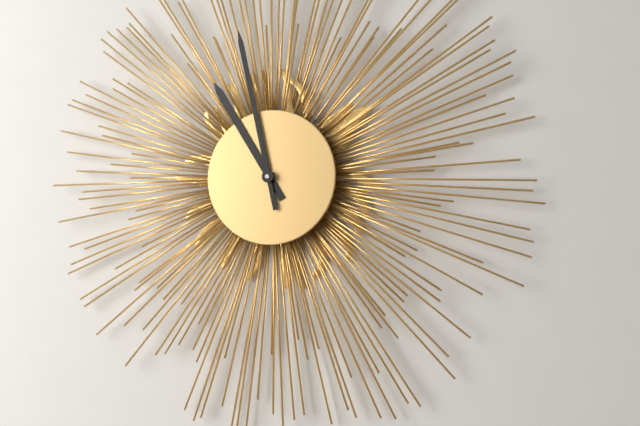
10:58
